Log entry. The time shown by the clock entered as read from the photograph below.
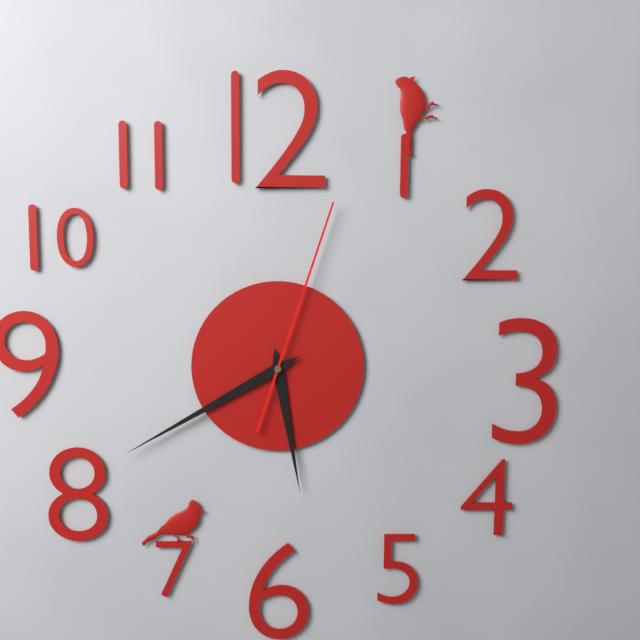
5:40:03
